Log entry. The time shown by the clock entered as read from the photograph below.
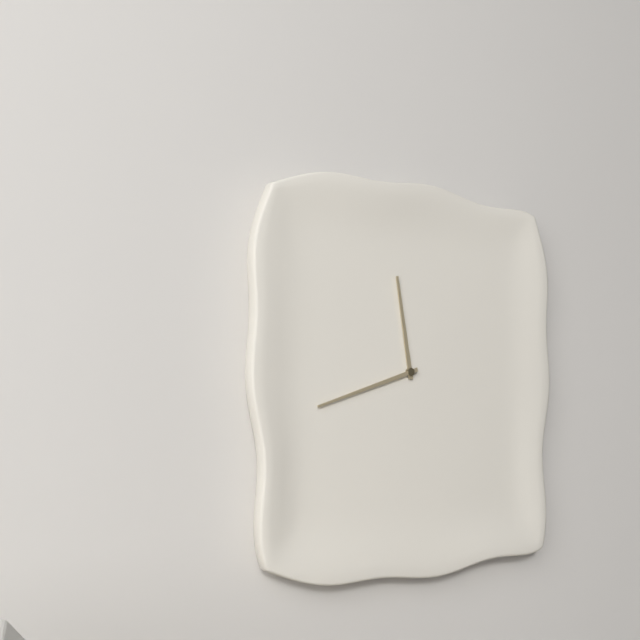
11:42
